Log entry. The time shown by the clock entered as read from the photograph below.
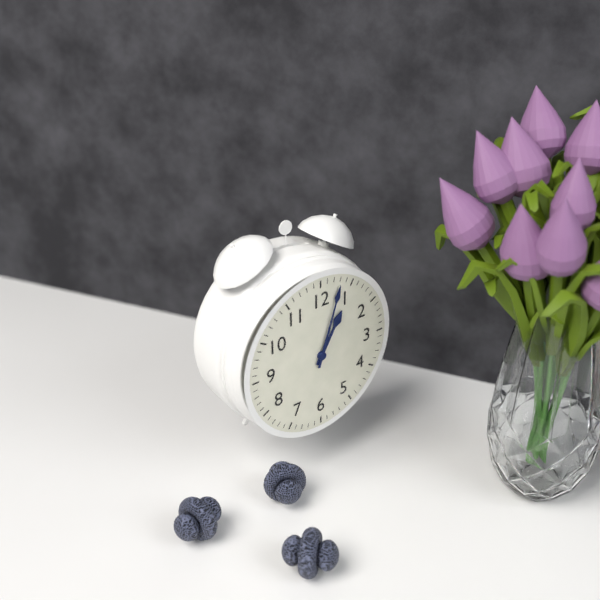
1:03
